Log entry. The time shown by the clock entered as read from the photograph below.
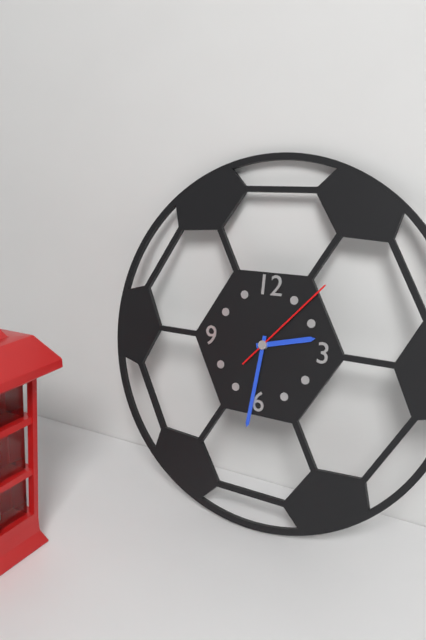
2:31:07
